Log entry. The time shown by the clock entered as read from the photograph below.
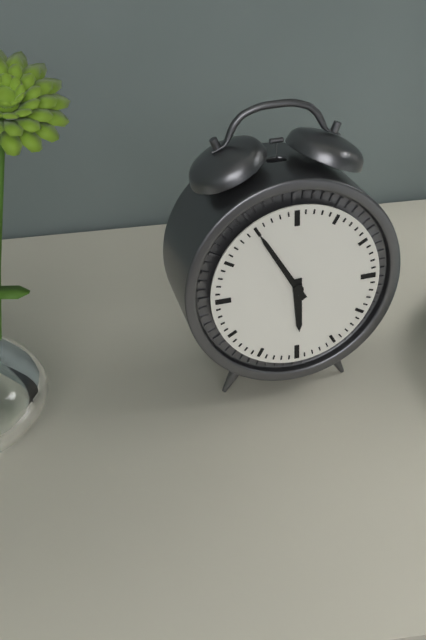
5:55
